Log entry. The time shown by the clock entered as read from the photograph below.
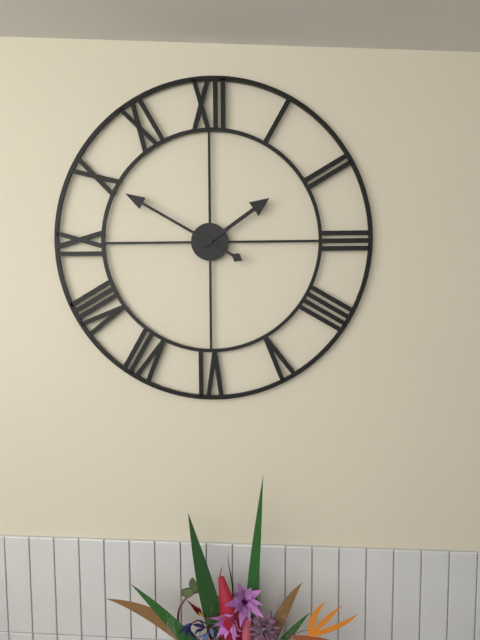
1:50
